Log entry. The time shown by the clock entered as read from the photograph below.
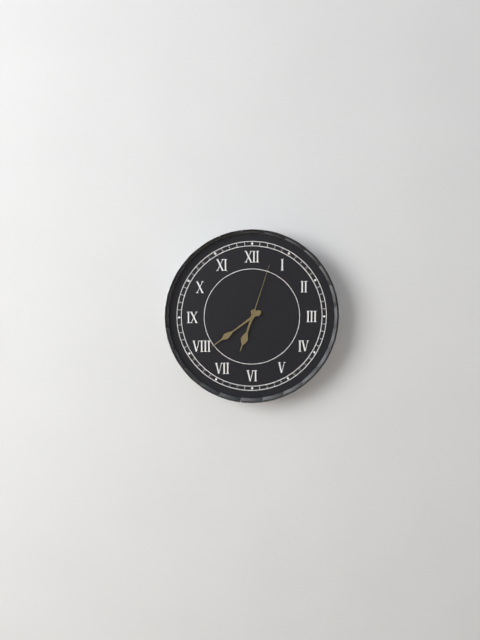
6:39:03
